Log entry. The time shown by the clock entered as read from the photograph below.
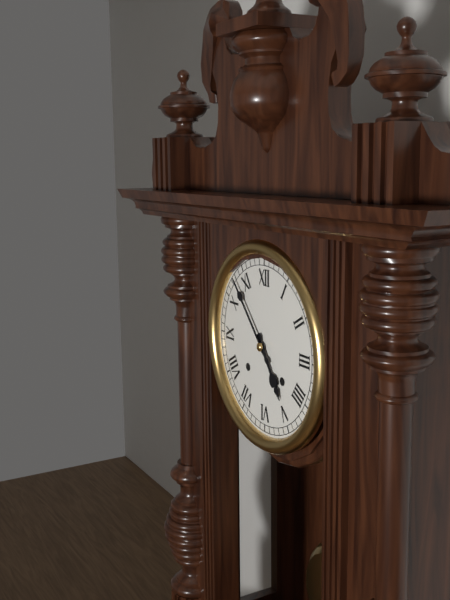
4:53
